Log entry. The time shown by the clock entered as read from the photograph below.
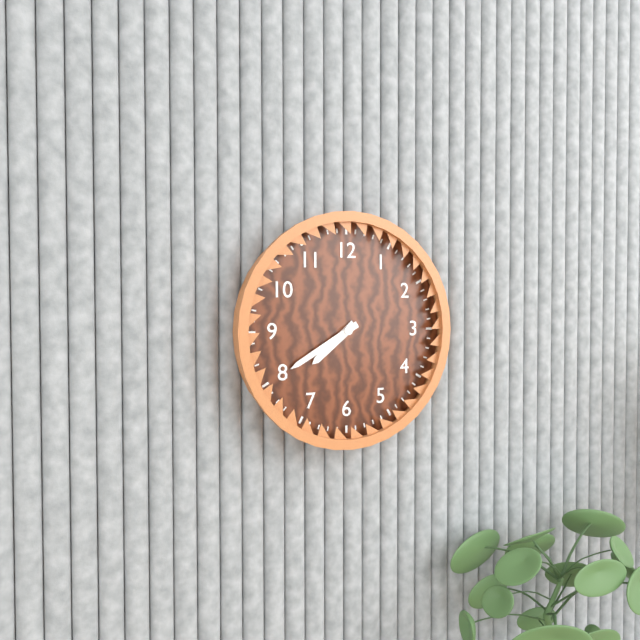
7:40
